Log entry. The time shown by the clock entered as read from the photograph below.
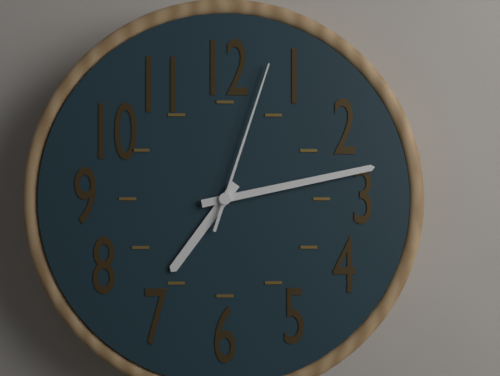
7:13:03
